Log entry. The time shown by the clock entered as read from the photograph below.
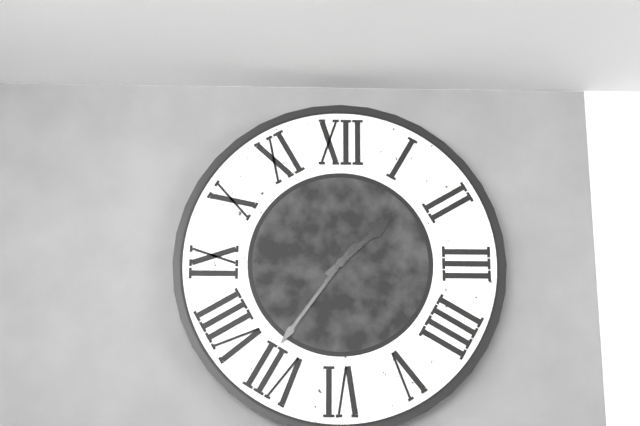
1:36
